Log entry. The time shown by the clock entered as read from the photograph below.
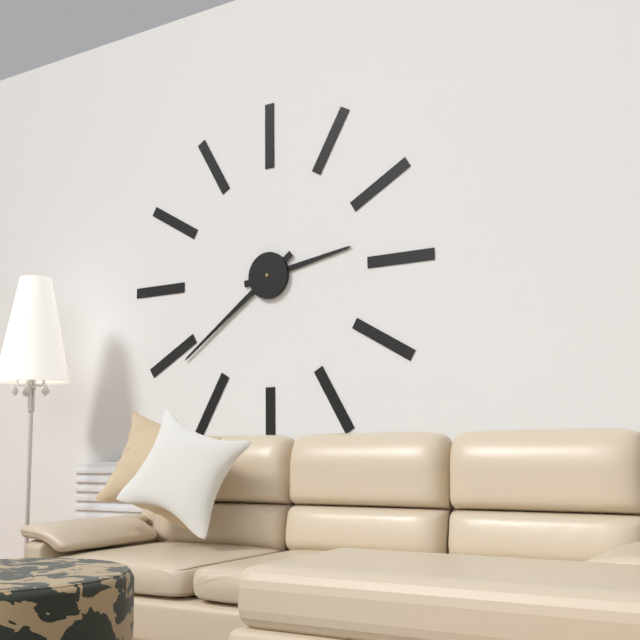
2:39
